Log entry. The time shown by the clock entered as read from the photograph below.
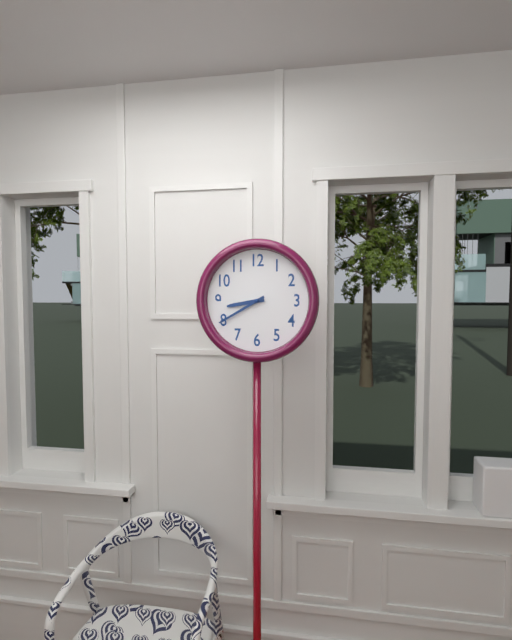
8:40
